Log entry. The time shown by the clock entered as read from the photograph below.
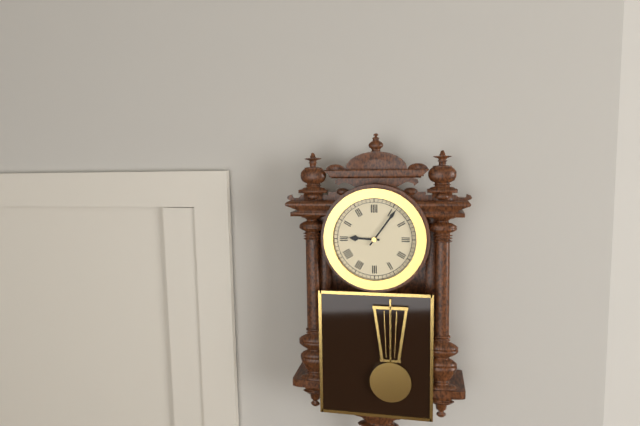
9:06
